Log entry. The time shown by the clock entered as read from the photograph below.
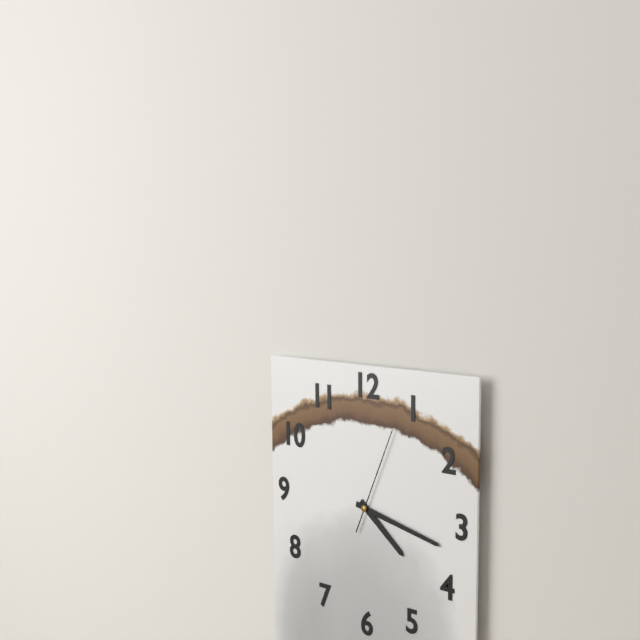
4:17:04
